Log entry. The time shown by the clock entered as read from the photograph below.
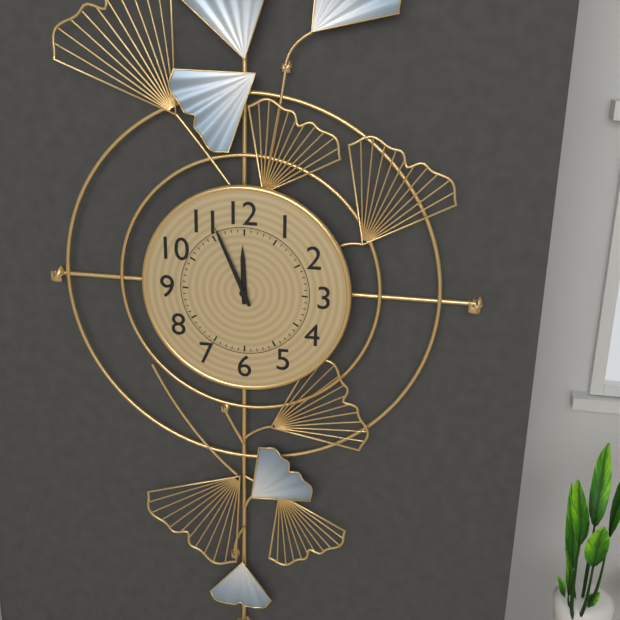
11:56
